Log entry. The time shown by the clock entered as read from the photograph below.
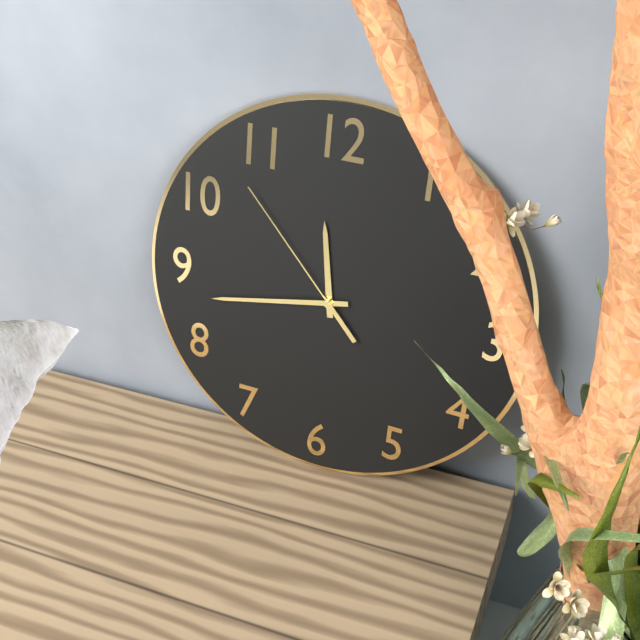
11:43:53
